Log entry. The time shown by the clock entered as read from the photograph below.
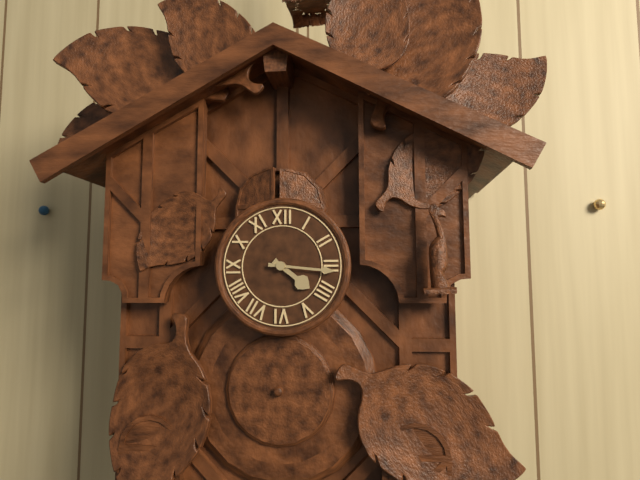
4:16
